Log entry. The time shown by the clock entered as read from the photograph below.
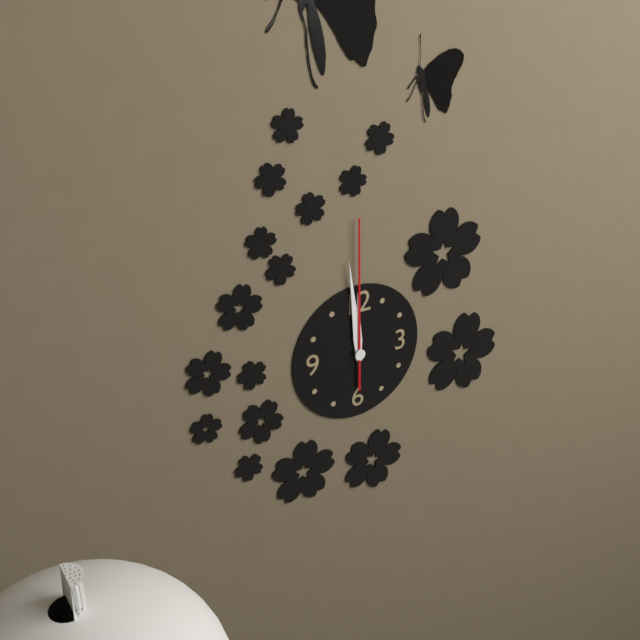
11:59:00
